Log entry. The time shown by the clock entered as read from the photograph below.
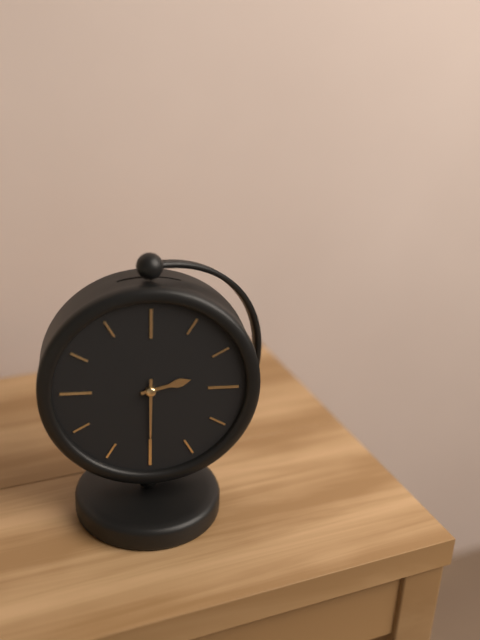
2:30
